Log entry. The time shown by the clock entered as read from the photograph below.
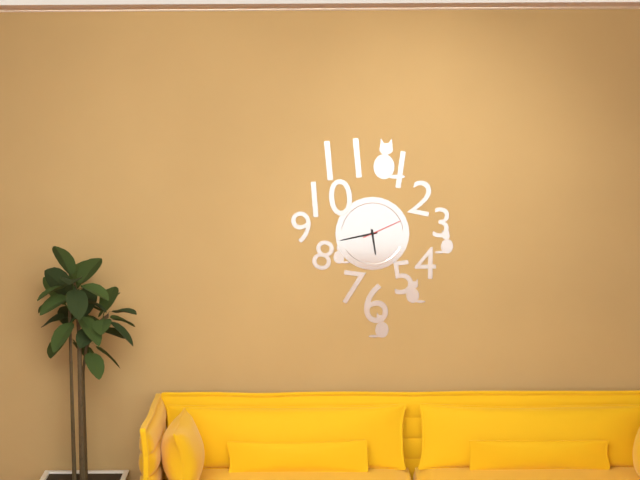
5:43
